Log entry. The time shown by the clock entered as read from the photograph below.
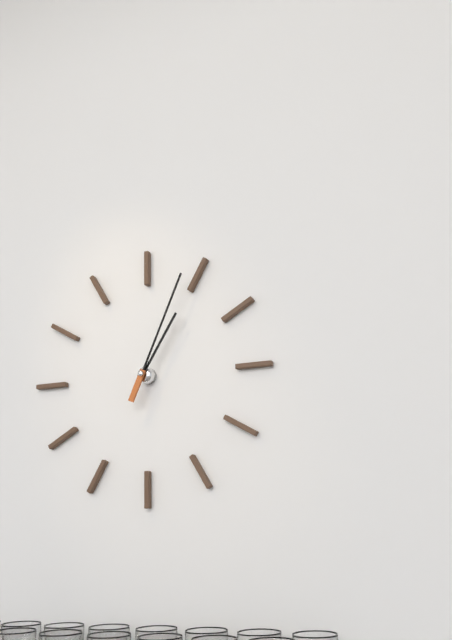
1:04
